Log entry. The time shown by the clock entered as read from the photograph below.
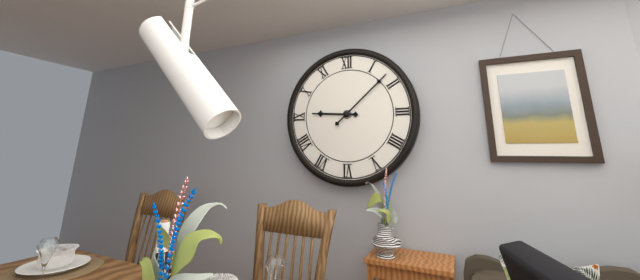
9:08
